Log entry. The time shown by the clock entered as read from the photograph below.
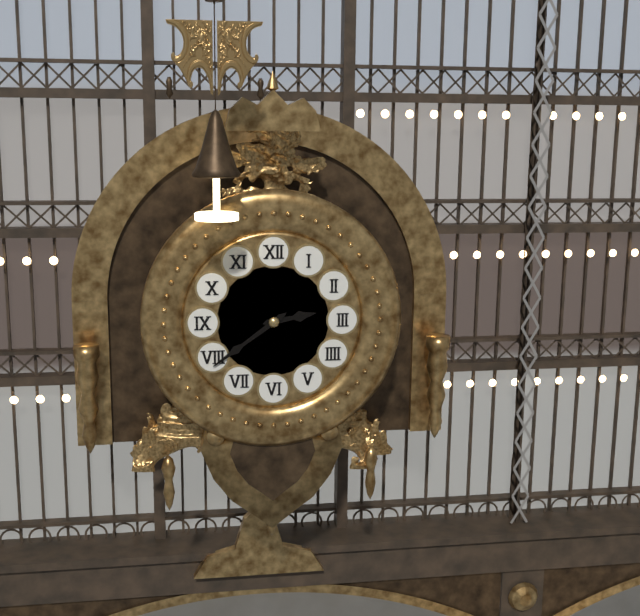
2:39
